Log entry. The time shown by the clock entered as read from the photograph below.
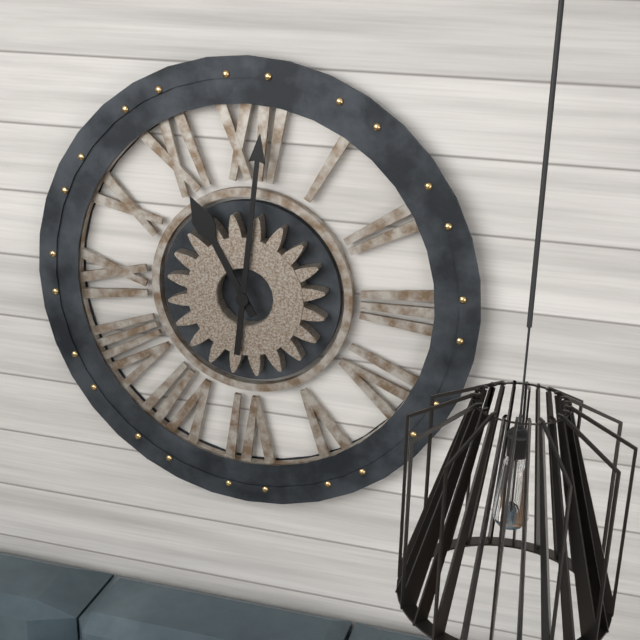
11:01
